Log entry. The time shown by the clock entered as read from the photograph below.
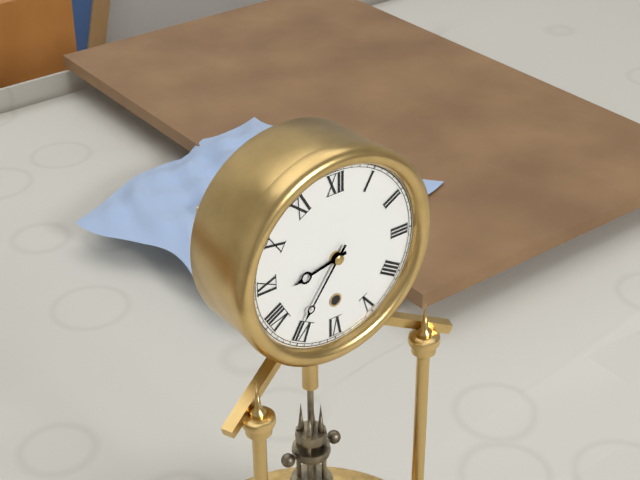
8:36
